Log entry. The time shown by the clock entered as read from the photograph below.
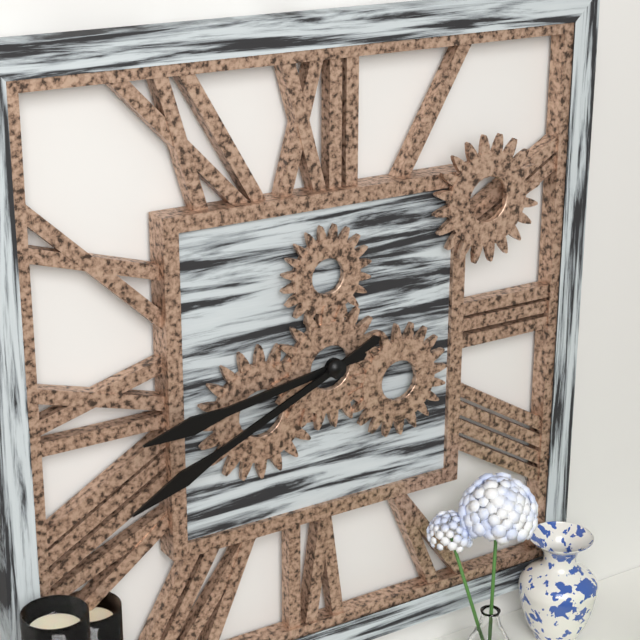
8:41
